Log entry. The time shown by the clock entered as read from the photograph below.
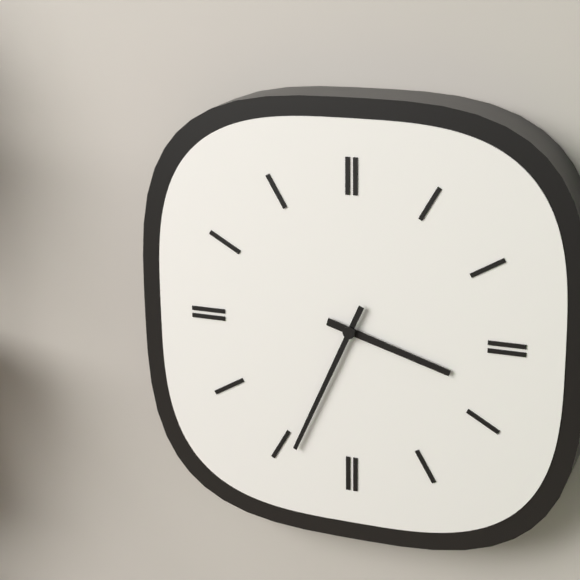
3:34
